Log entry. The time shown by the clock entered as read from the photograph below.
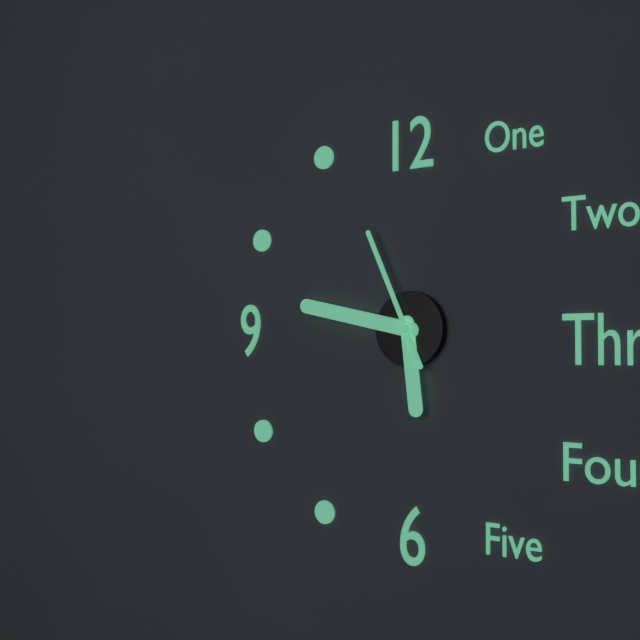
5:47:56
